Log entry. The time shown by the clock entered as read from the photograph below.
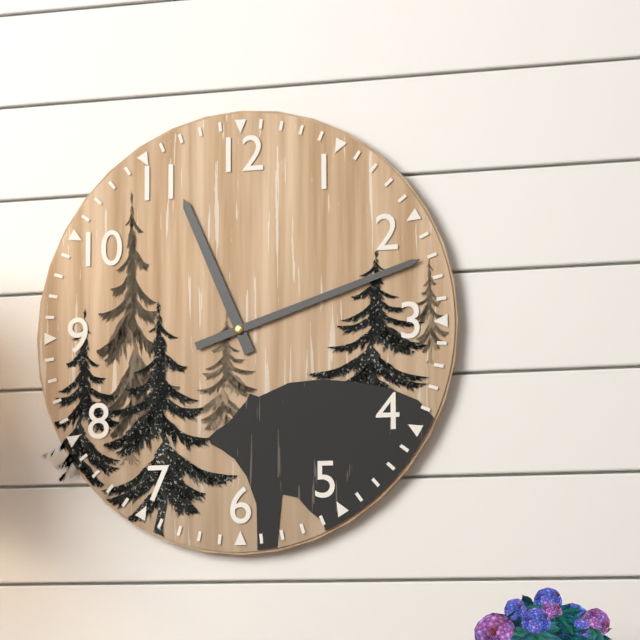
11:12
